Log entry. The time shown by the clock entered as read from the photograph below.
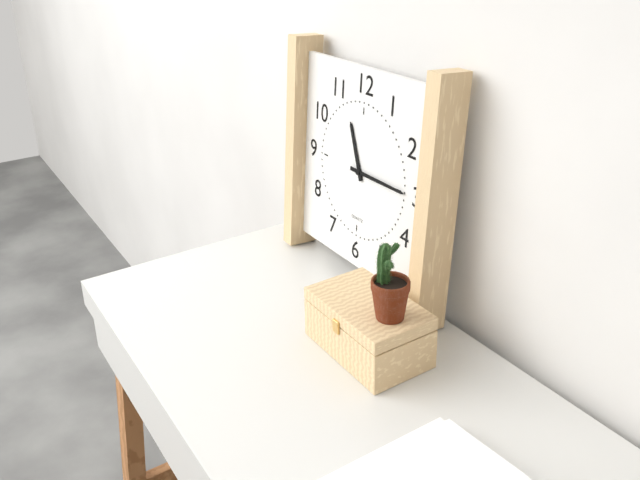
11:15
